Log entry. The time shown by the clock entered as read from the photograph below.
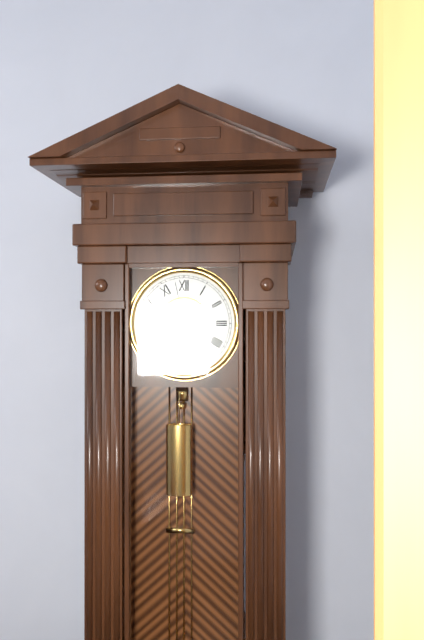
10:23:58
